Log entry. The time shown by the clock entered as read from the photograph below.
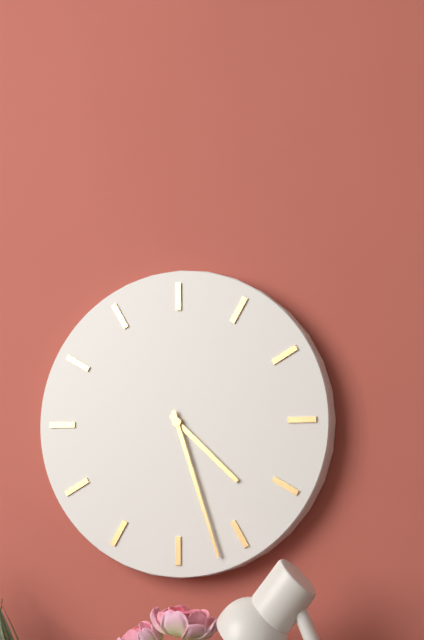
4:27
